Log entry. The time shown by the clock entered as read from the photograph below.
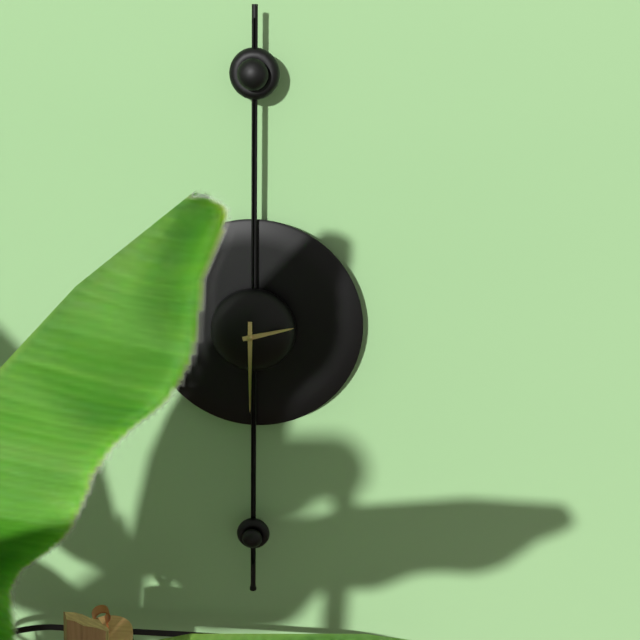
2:30
